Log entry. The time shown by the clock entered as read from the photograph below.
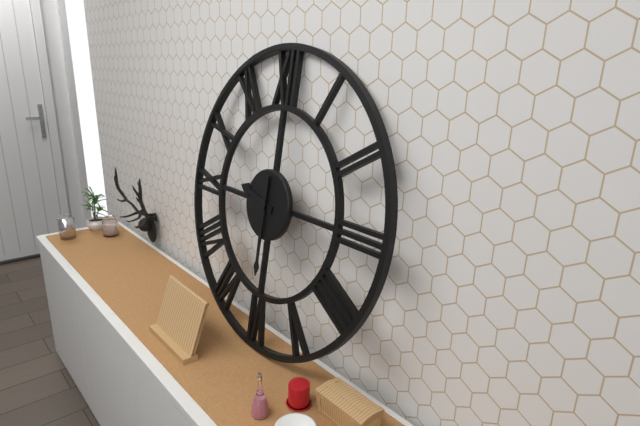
9:30
